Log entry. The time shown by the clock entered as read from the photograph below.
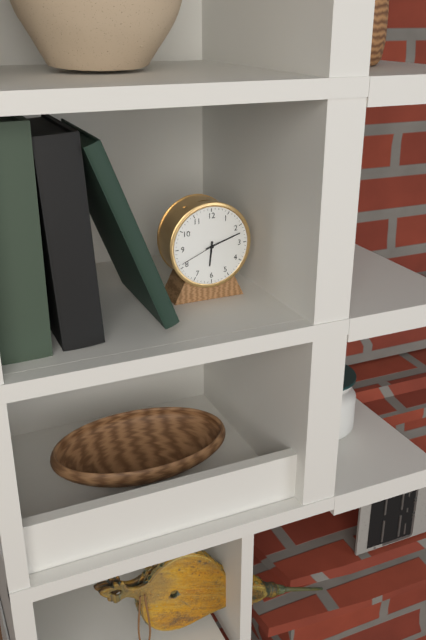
6:12
